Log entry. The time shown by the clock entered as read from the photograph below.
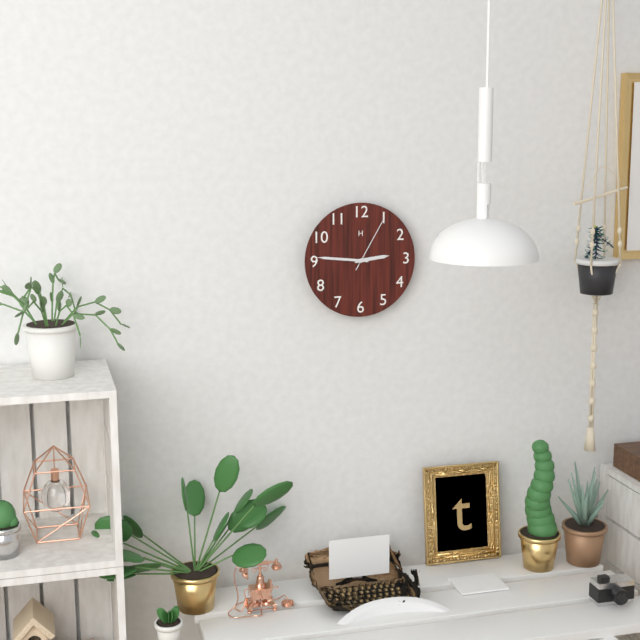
2:46:05
